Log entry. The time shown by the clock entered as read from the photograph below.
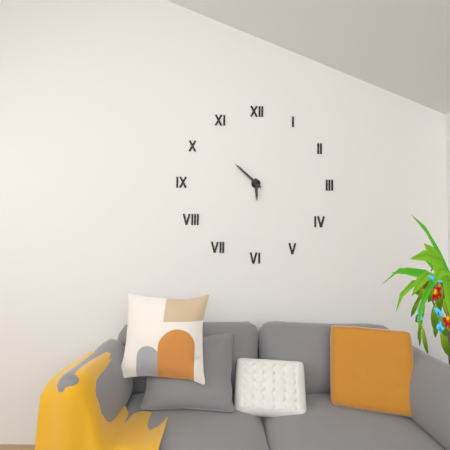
5:52
